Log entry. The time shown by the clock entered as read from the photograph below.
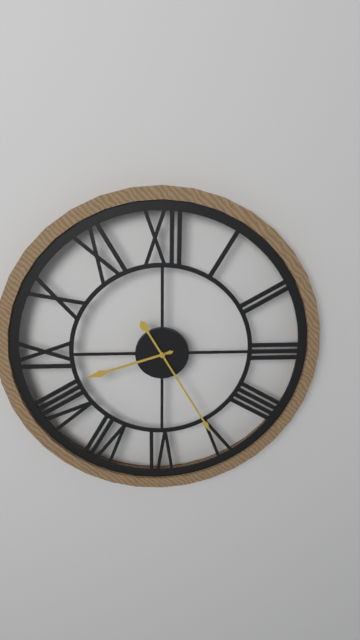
8:25
